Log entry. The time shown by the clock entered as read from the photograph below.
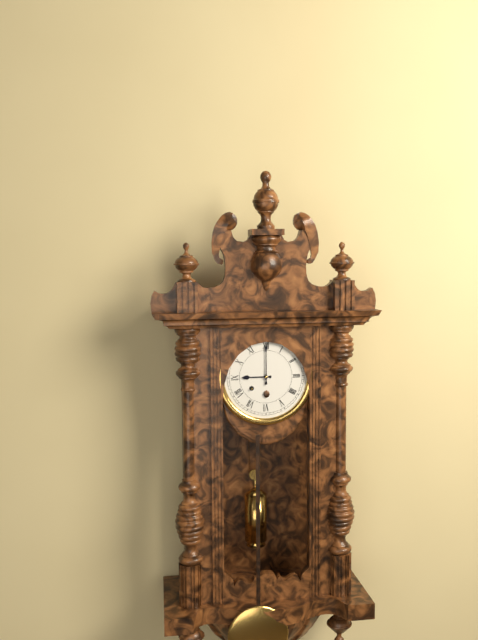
9:00
